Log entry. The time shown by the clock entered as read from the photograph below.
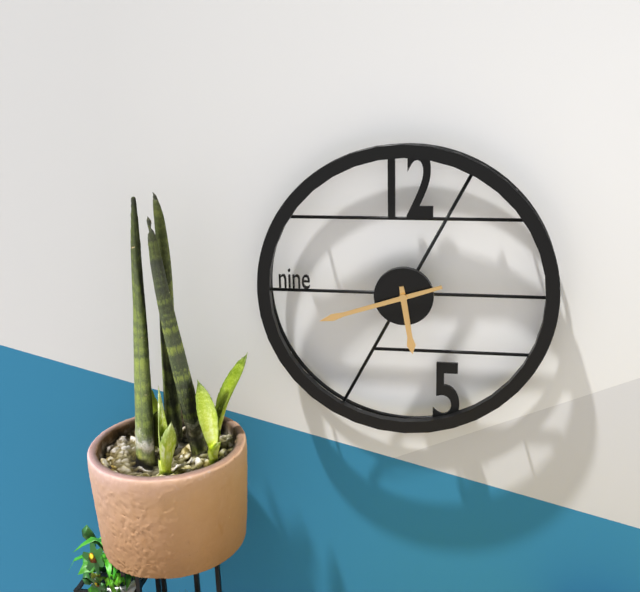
5:42
